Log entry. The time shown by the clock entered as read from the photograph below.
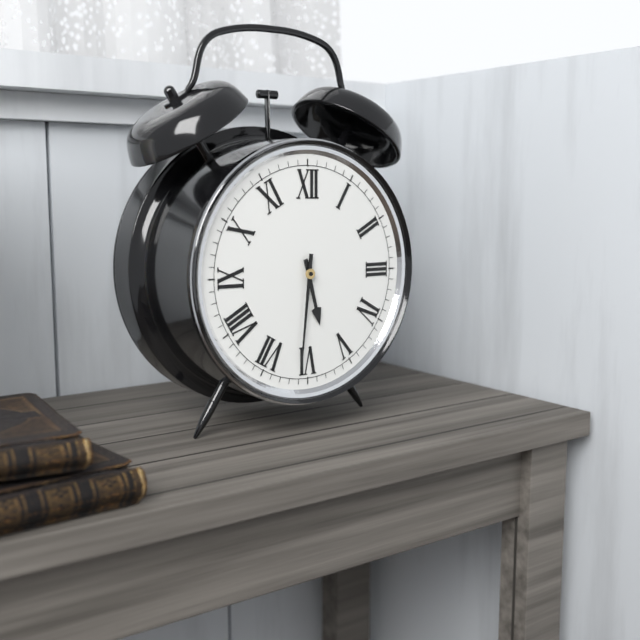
5:31
